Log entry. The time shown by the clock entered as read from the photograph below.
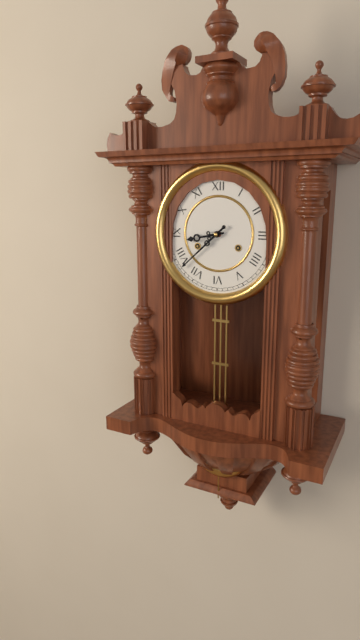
8:38
